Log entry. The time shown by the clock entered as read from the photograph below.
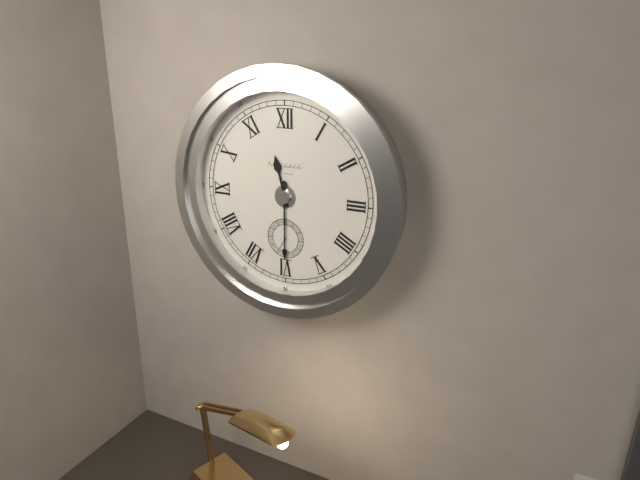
11:30
